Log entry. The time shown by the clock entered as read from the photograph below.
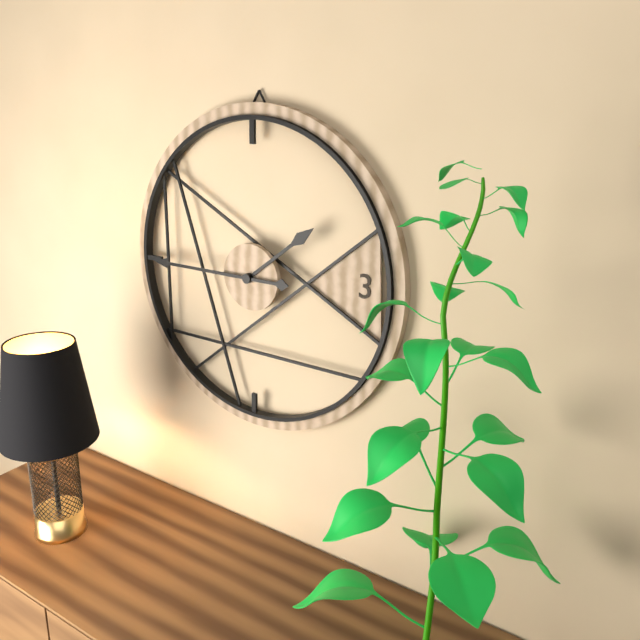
1:45
